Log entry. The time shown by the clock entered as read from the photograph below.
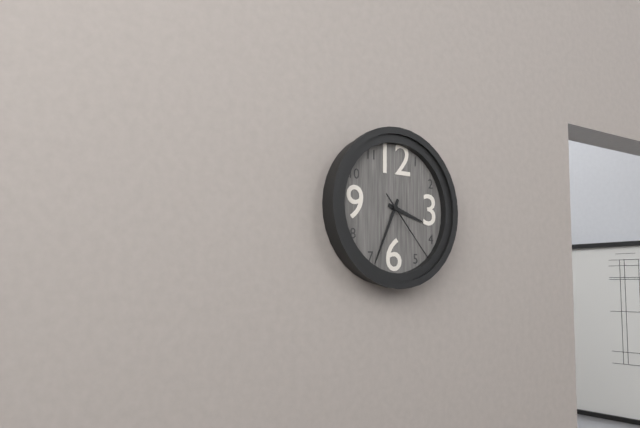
3:34:23
